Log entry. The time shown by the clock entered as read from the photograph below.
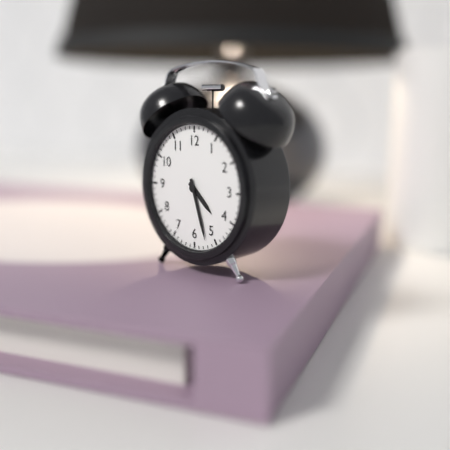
4:27
